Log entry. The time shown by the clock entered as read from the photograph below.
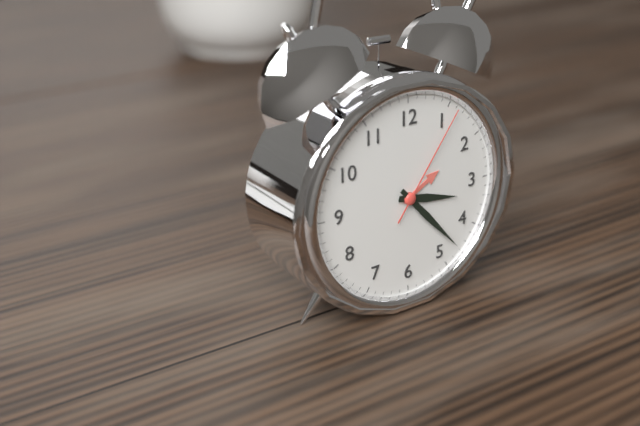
3:23:06
